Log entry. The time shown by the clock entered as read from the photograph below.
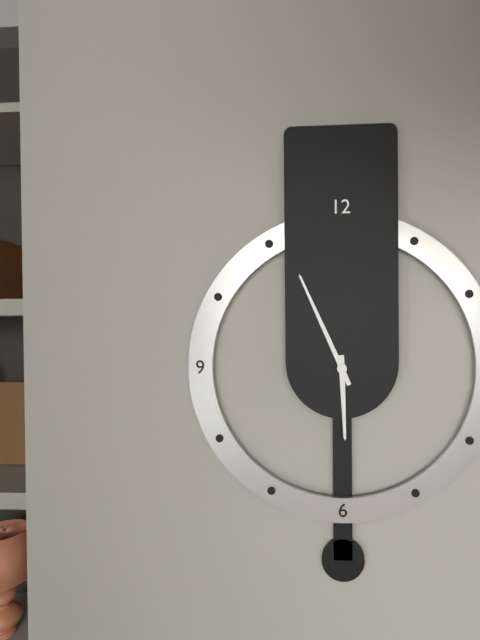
5:56
